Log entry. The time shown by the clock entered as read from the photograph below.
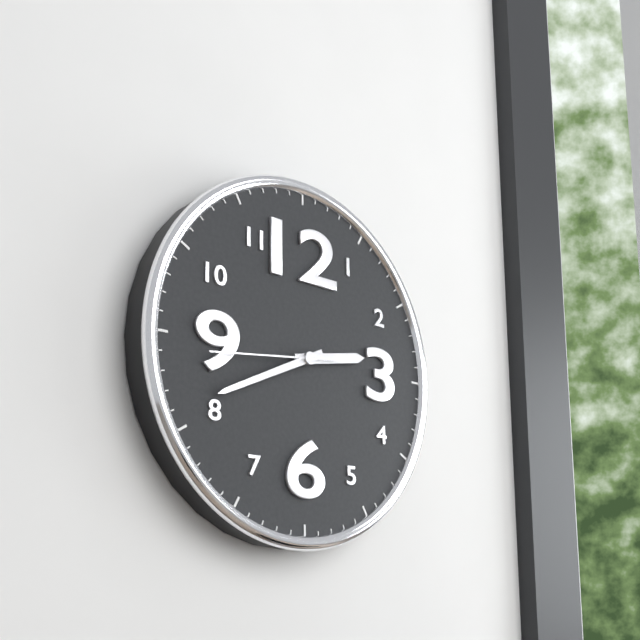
2:41:44
